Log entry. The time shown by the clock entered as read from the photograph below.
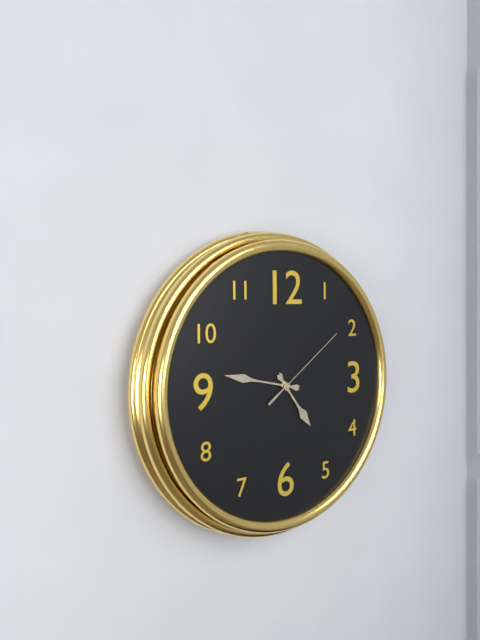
4:47:09
